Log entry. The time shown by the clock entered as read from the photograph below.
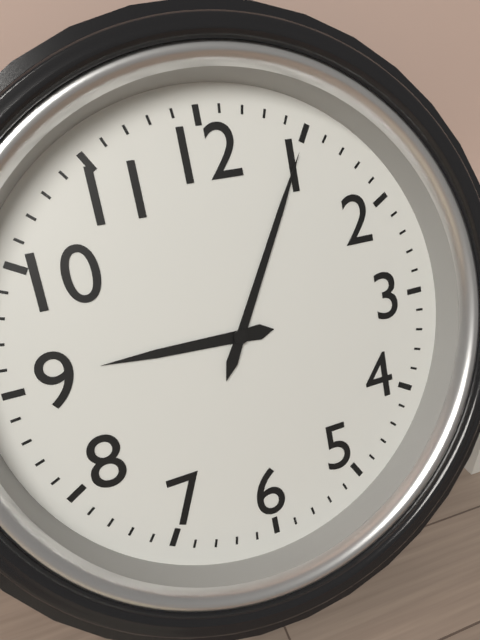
9:05
